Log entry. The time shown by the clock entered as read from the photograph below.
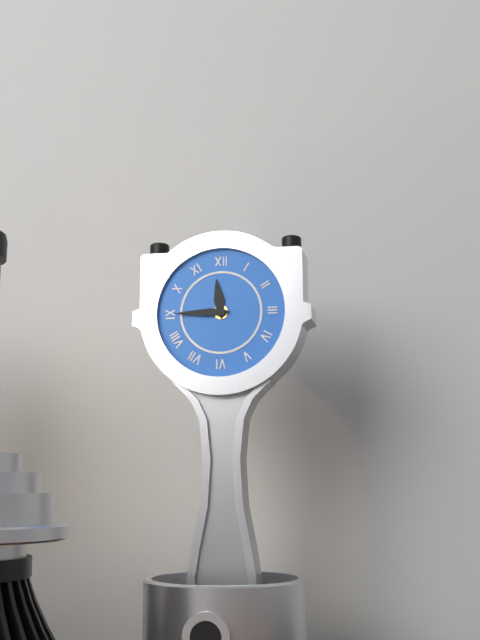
11:45
